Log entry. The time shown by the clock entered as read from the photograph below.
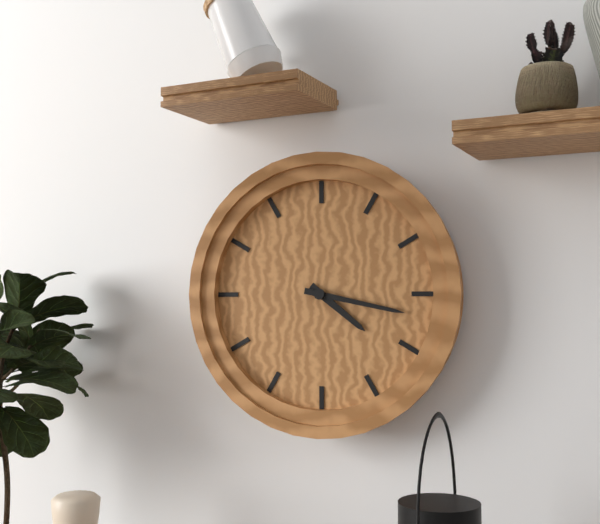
4:17
